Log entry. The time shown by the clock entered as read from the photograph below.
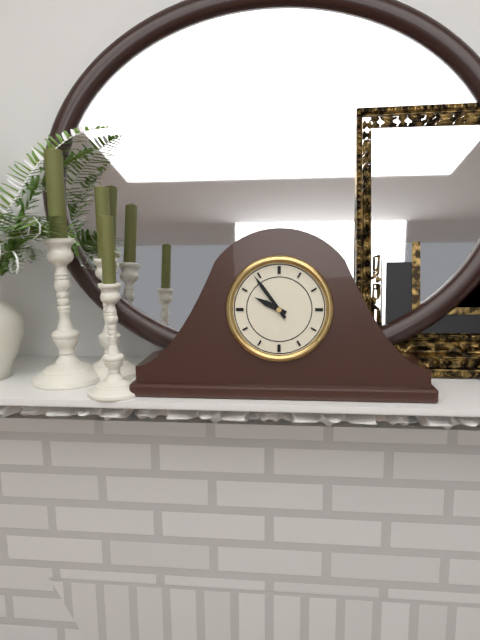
9:54
